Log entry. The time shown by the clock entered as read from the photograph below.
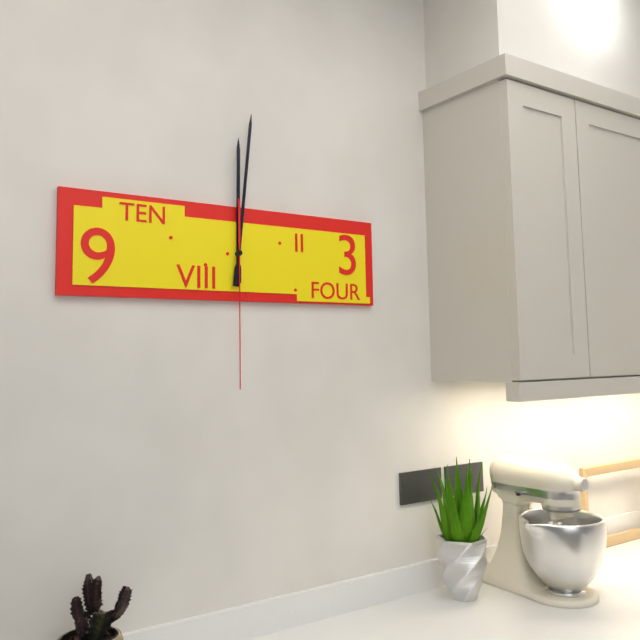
12:01:30
